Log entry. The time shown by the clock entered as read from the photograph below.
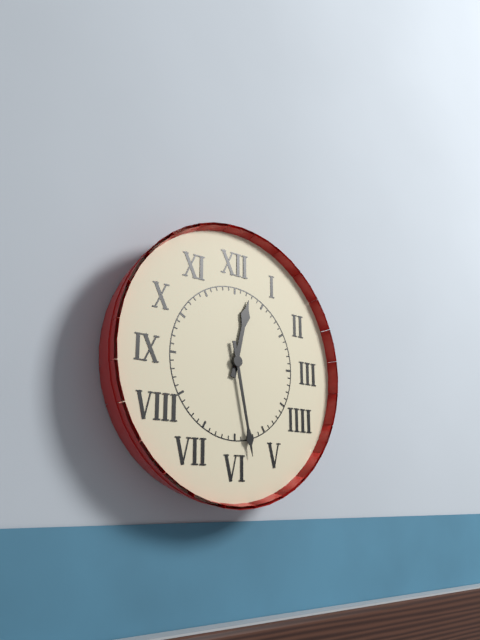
12:28
